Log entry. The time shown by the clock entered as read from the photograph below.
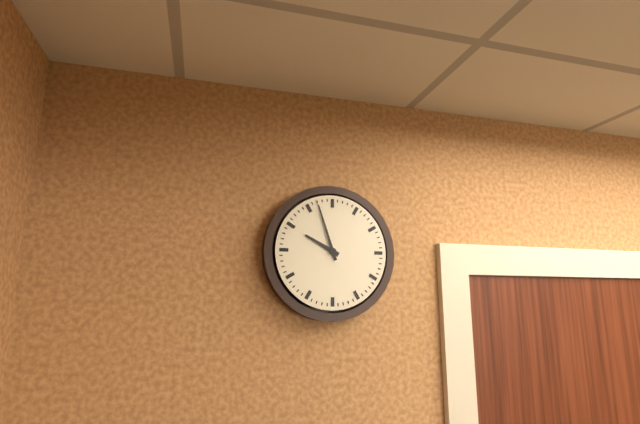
9:57
